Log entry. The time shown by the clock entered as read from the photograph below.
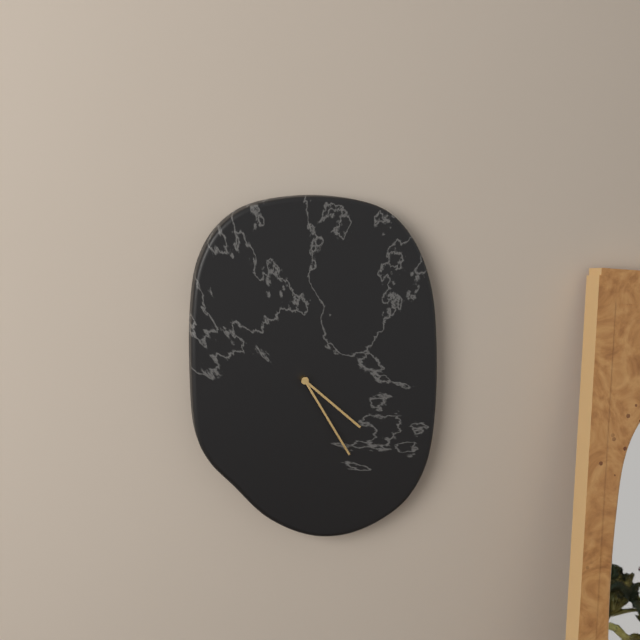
4:25
